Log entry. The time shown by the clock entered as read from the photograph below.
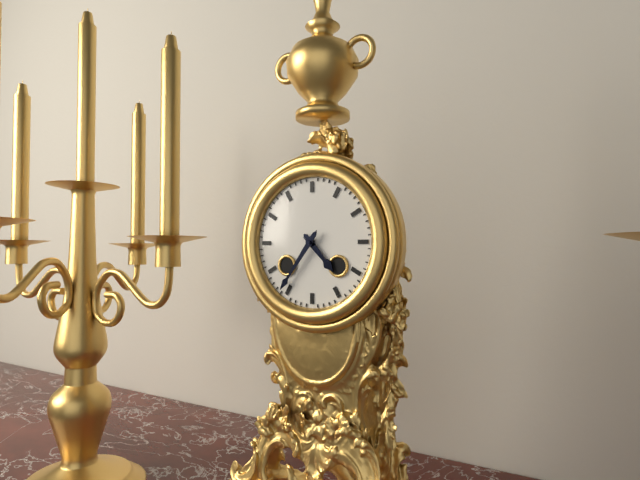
4:36
